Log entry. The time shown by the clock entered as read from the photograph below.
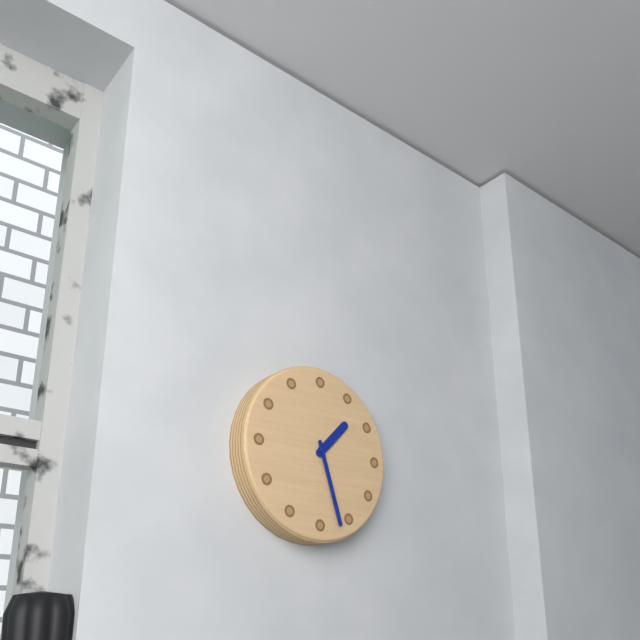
1:27
